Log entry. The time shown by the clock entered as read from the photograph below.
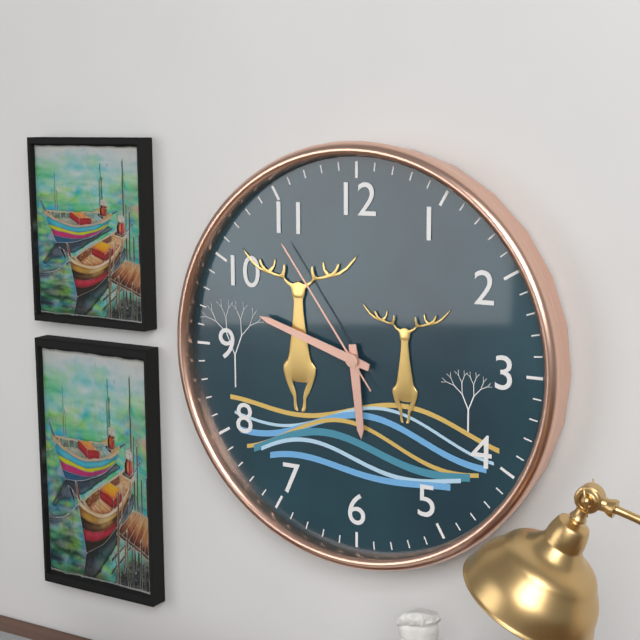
5:48:54
